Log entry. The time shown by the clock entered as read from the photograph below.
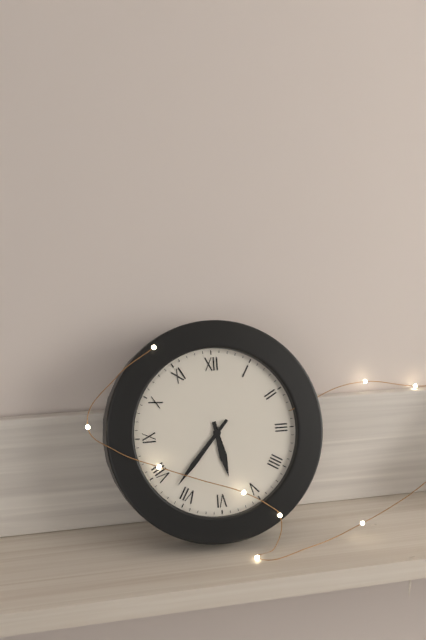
5:37
